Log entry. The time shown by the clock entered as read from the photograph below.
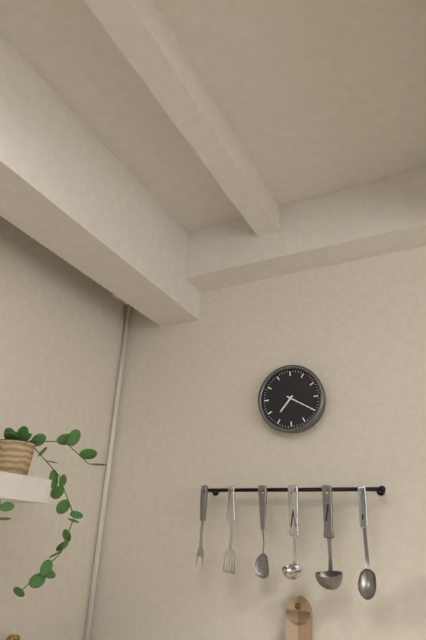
7:20
